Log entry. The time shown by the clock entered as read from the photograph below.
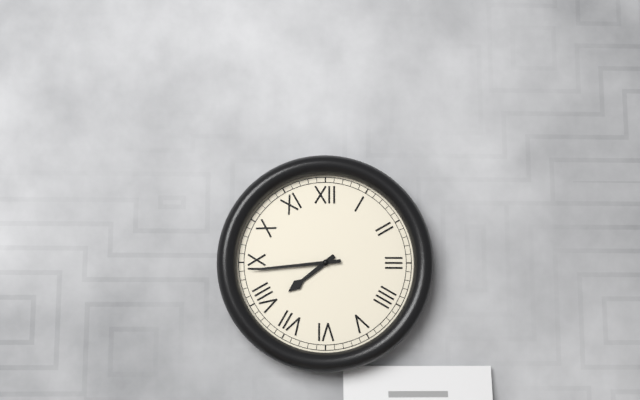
7:44
